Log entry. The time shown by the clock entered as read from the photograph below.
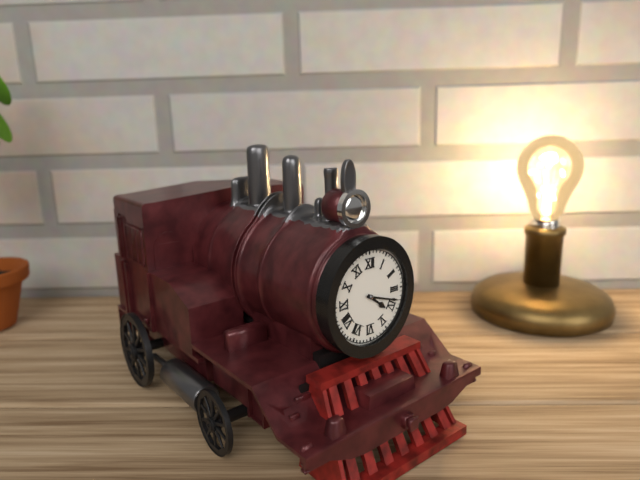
4:18
